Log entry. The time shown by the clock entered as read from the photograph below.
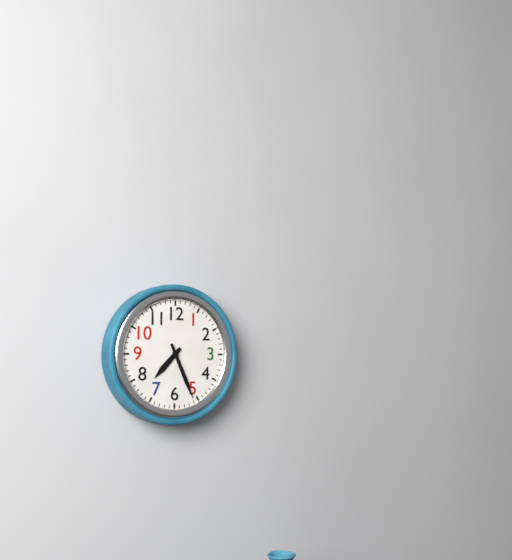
7:26
